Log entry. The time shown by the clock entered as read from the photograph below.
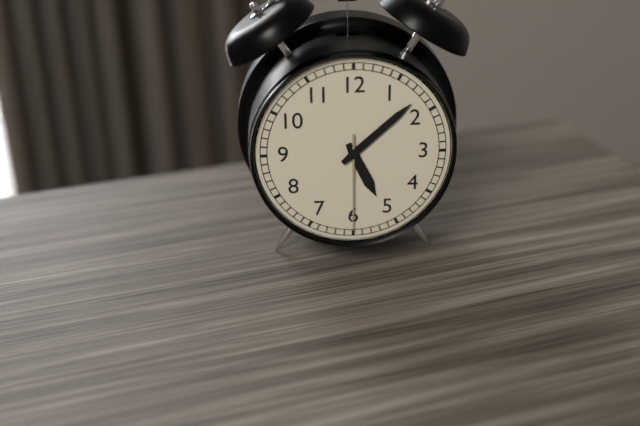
5:08:30
